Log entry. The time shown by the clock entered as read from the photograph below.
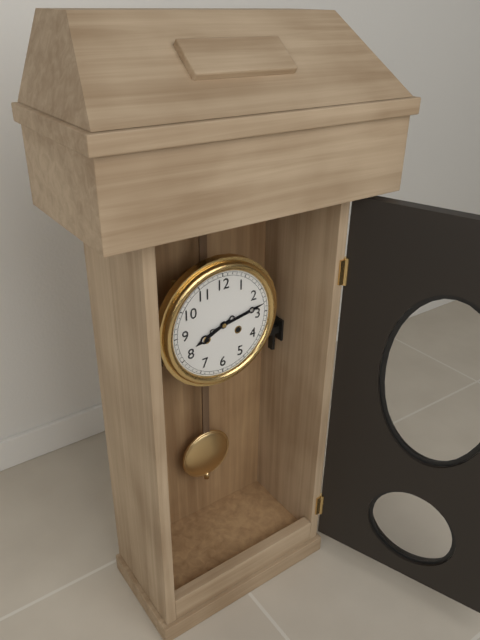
8:13
